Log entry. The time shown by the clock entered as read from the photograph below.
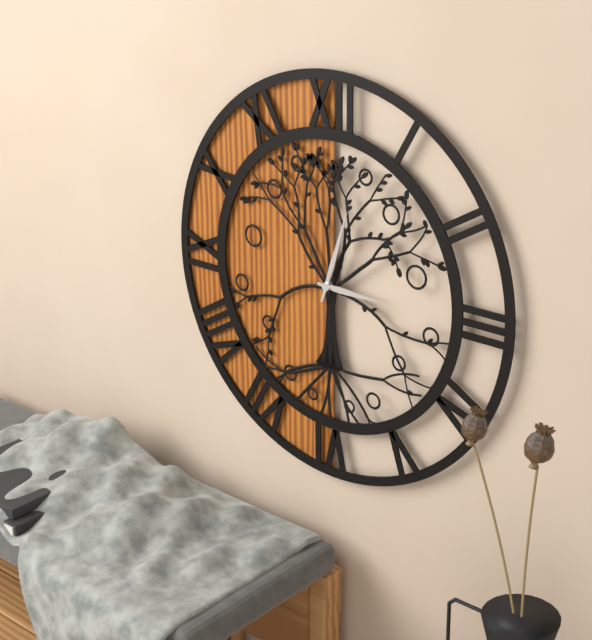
3:03
